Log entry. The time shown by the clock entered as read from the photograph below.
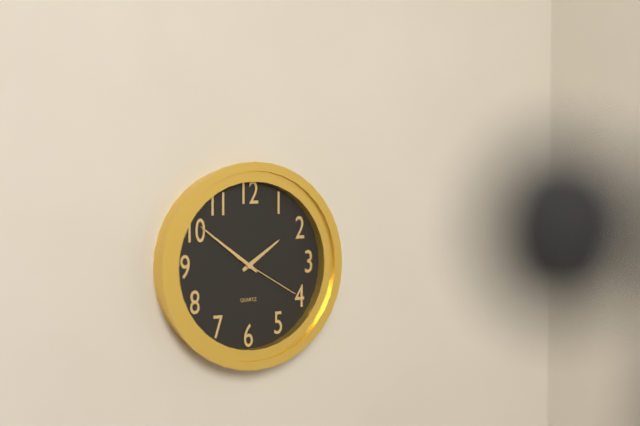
1:51:20
